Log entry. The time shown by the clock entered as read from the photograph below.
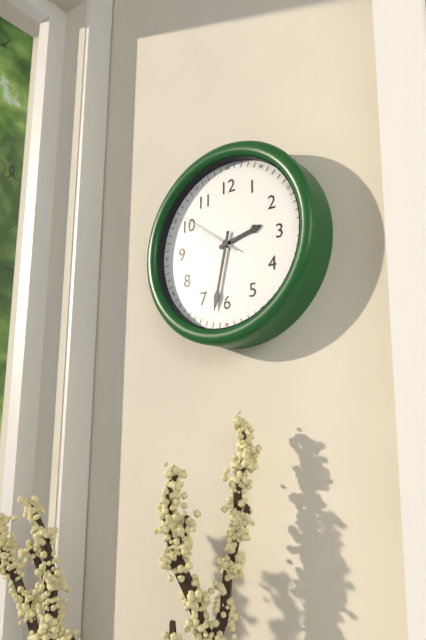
2:32:51
